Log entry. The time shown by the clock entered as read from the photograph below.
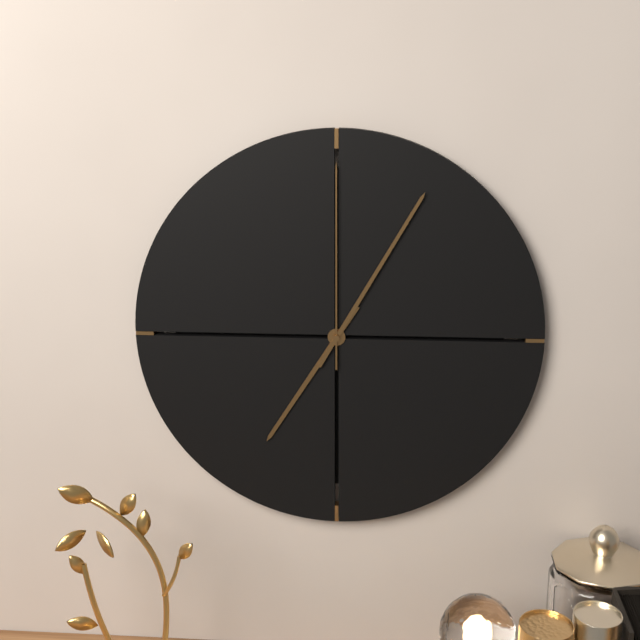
7:05:00
